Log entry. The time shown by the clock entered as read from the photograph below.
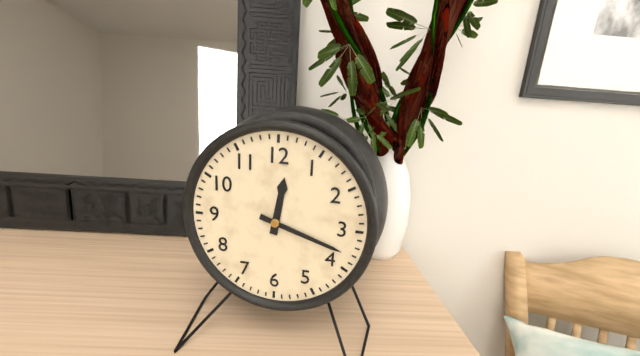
12:18
